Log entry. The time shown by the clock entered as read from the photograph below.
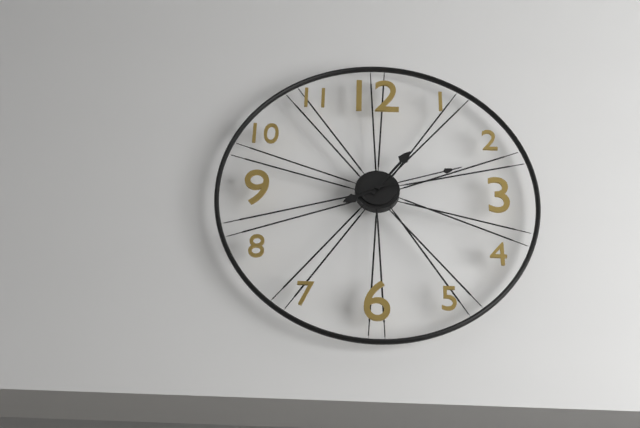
8:06:12
